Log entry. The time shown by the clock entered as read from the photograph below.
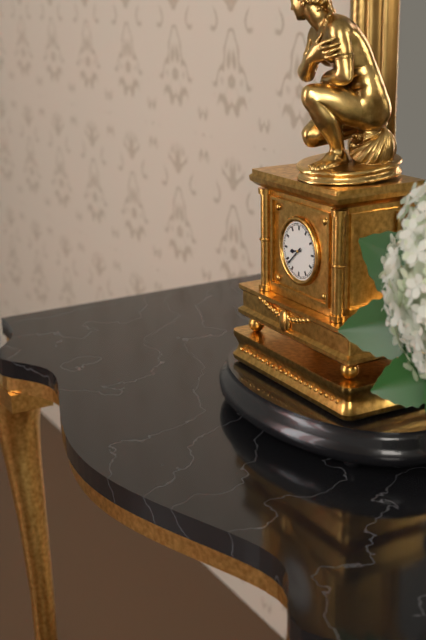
8:38
